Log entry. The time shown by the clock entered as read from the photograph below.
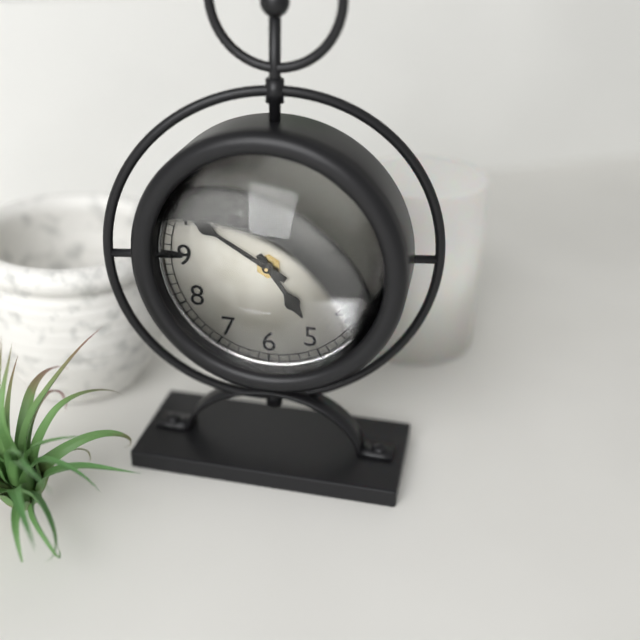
4:50
